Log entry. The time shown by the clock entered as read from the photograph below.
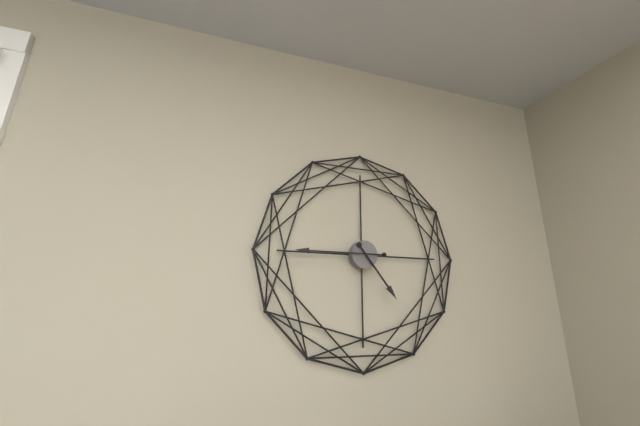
4:45
